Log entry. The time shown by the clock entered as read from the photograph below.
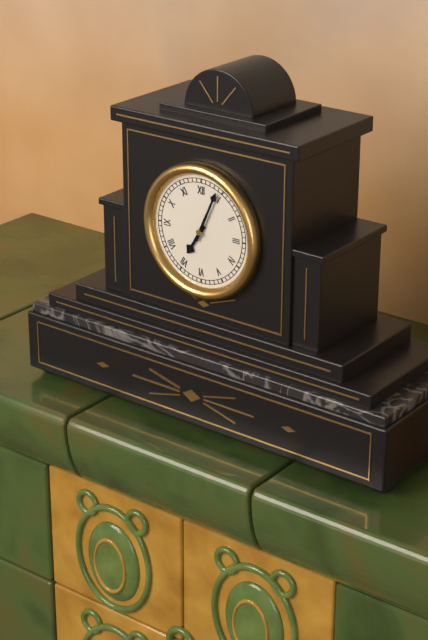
7:04
